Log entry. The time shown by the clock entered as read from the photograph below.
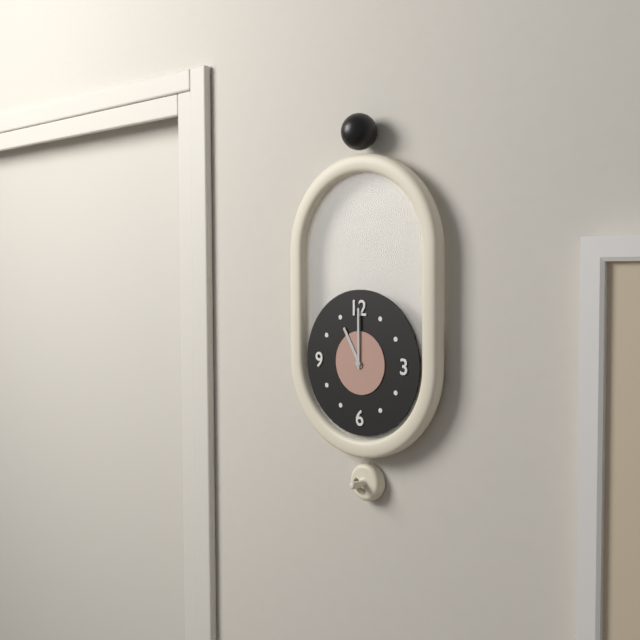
11:00
